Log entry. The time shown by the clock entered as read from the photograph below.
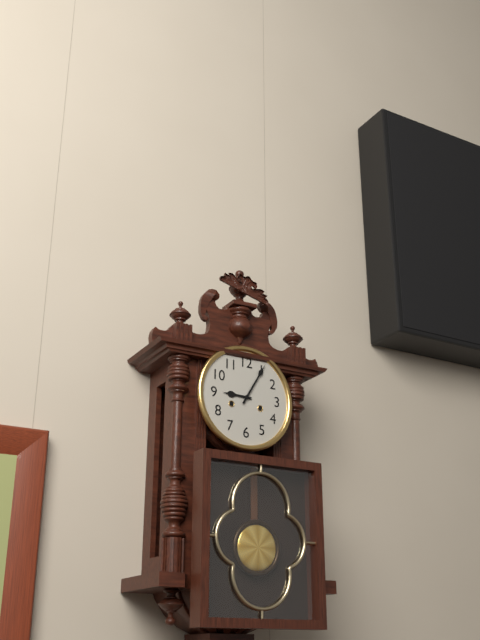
9:05
